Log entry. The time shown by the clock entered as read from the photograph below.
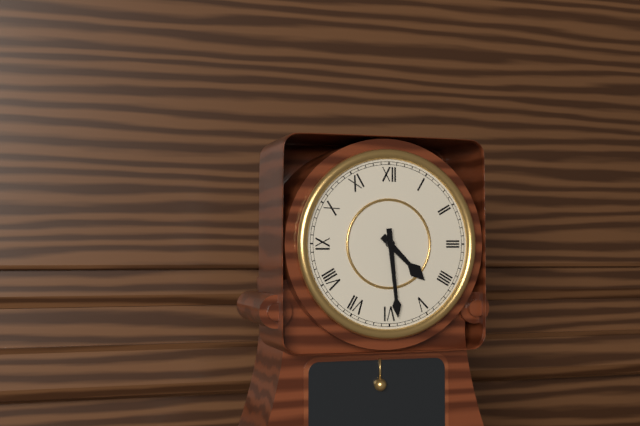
4:29
